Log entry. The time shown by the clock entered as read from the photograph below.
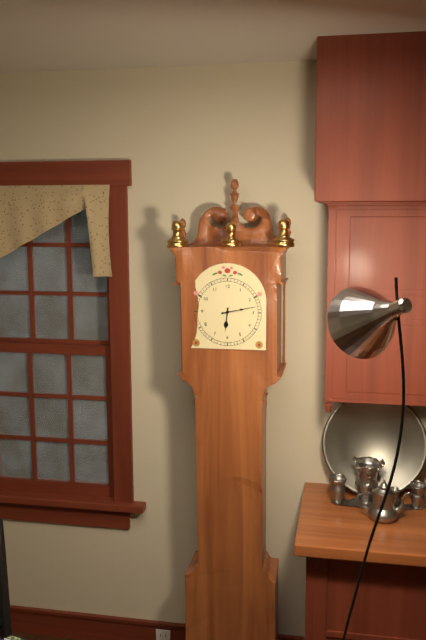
6:13
